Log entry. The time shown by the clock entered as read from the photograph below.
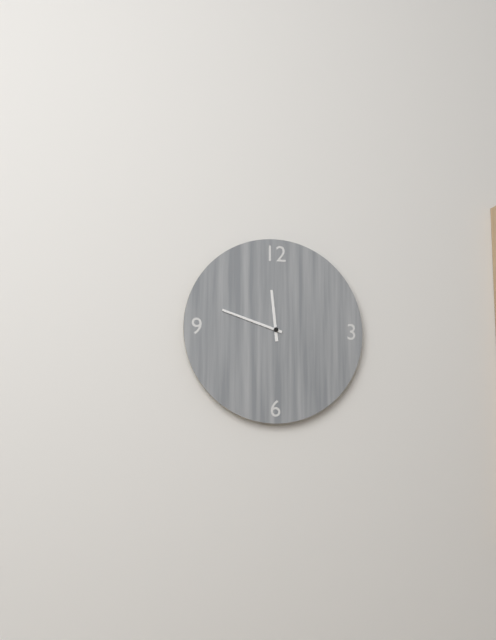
11:48
